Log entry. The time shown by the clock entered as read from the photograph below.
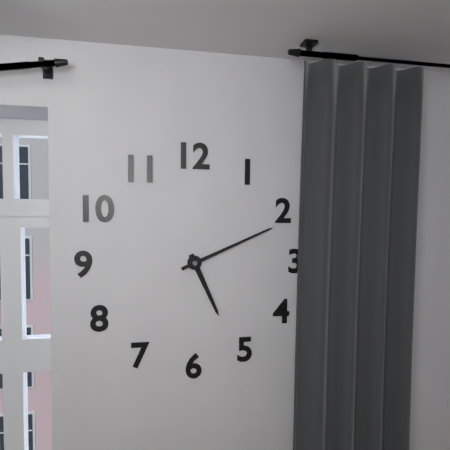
5:11
